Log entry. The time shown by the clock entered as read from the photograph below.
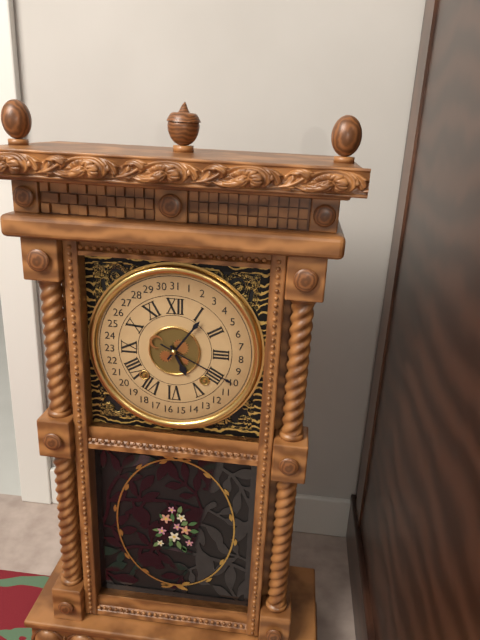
5:06
